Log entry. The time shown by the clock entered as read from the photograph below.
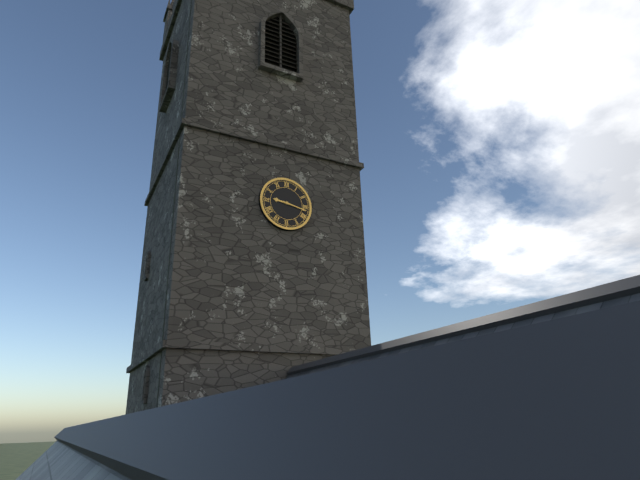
9:17
